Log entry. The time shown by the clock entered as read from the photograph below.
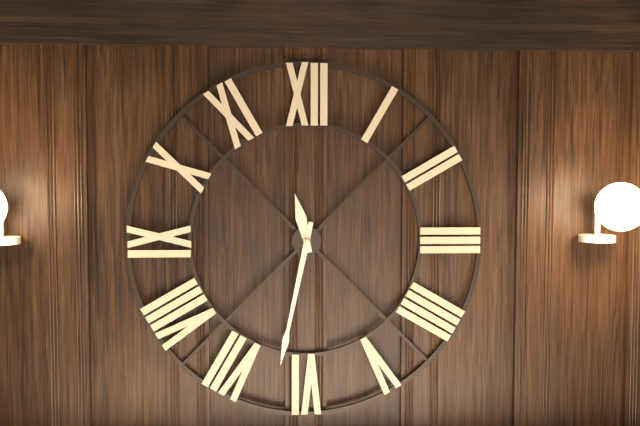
11:32
